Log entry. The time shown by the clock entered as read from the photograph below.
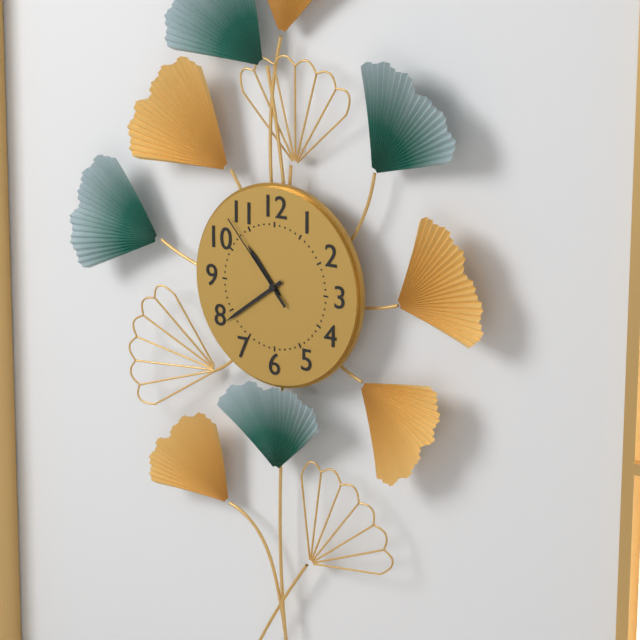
10:39:53
